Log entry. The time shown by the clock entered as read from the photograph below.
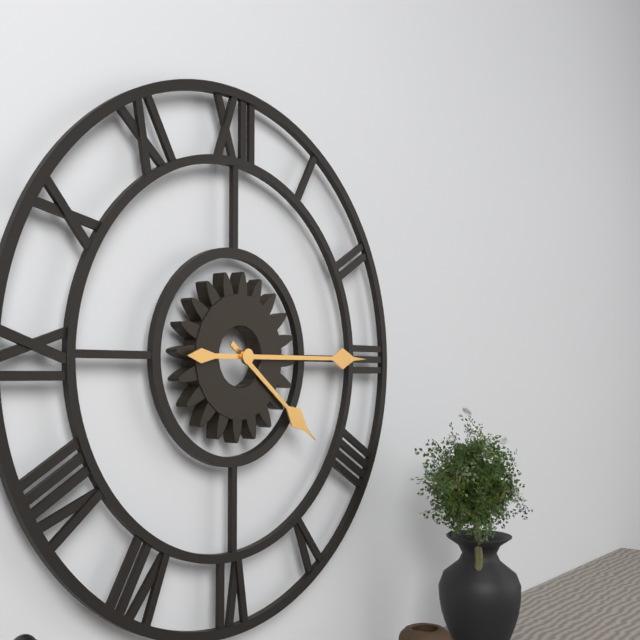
4:15
